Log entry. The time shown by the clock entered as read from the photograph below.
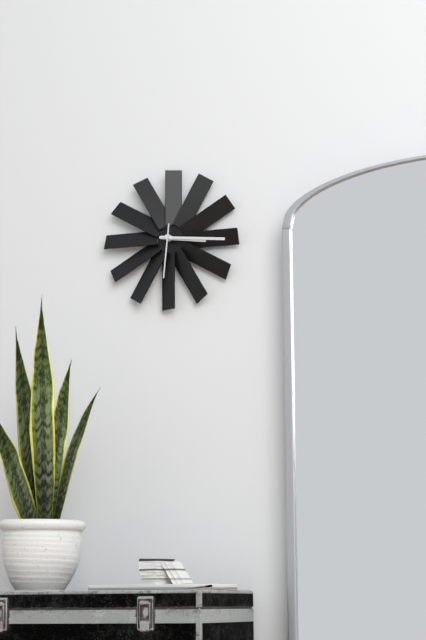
3:16:31
